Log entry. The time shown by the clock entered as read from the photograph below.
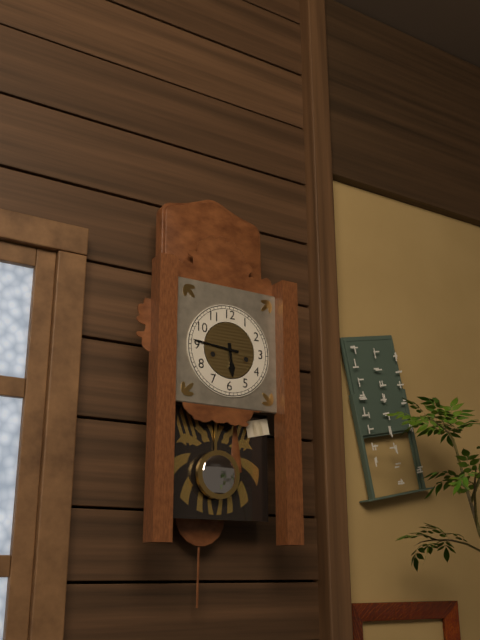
5:46
